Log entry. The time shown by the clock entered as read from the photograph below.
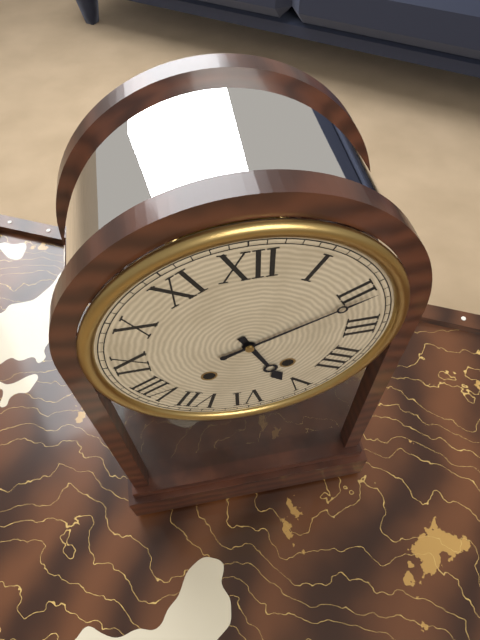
5:11
